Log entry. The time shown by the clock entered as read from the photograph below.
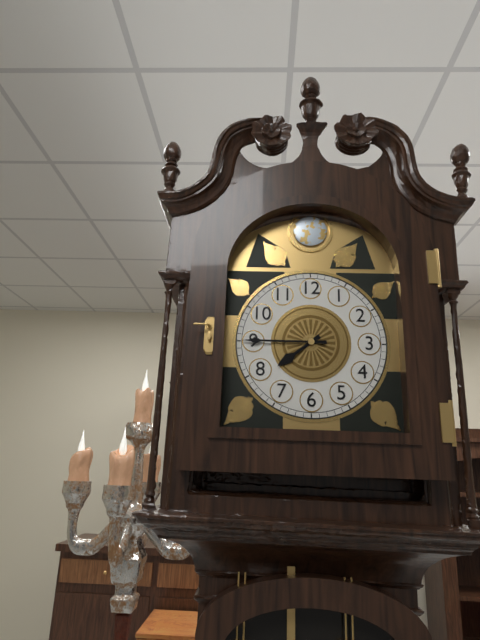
7:45
